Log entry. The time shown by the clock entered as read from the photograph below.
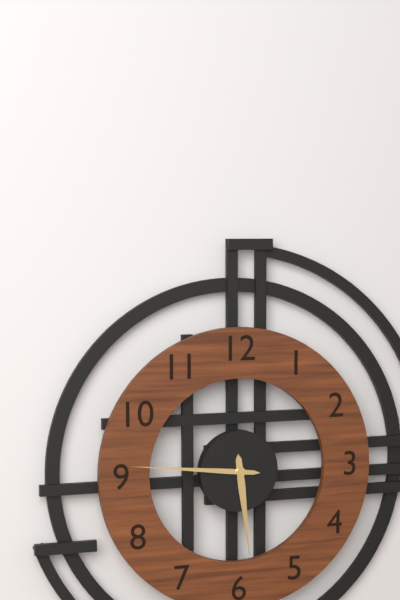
5:46
